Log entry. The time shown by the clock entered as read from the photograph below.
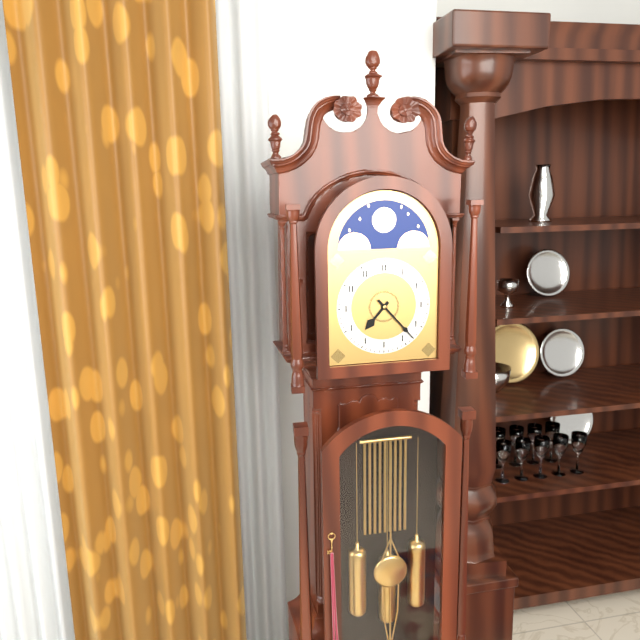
7:23
